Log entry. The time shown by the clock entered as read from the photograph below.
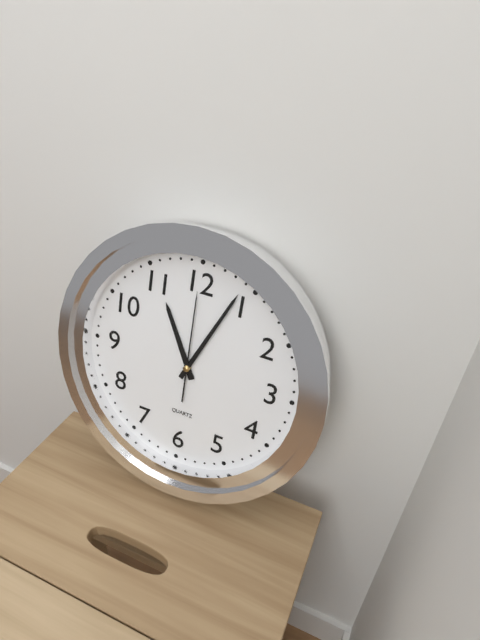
11:04:00
